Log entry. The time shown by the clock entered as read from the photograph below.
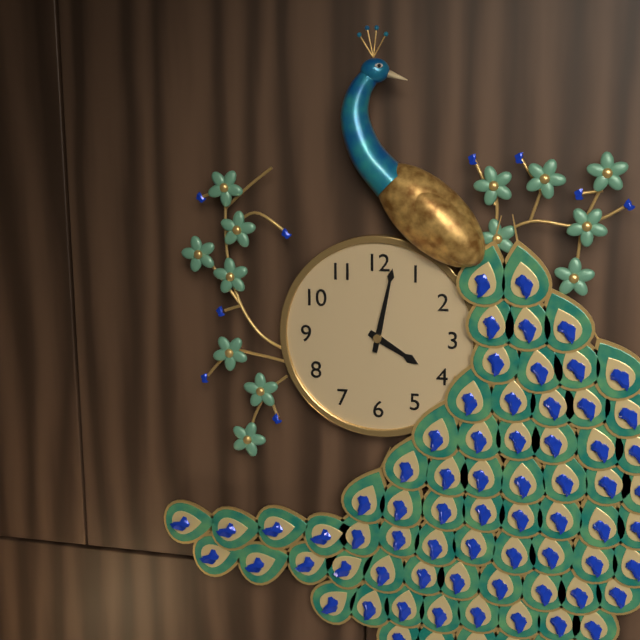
4:02
